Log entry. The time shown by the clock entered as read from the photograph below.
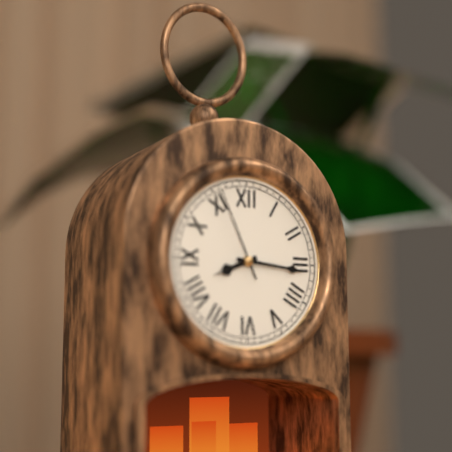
8:16:56
